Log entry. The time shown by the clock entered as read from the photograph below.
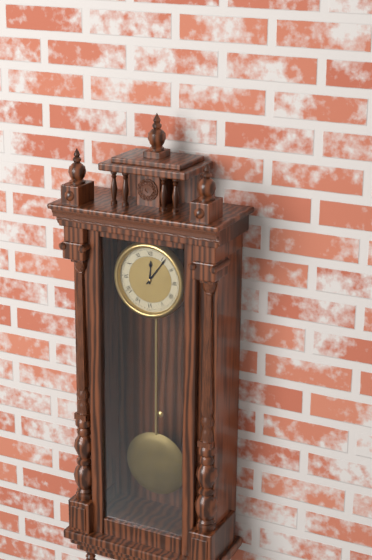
12:06
